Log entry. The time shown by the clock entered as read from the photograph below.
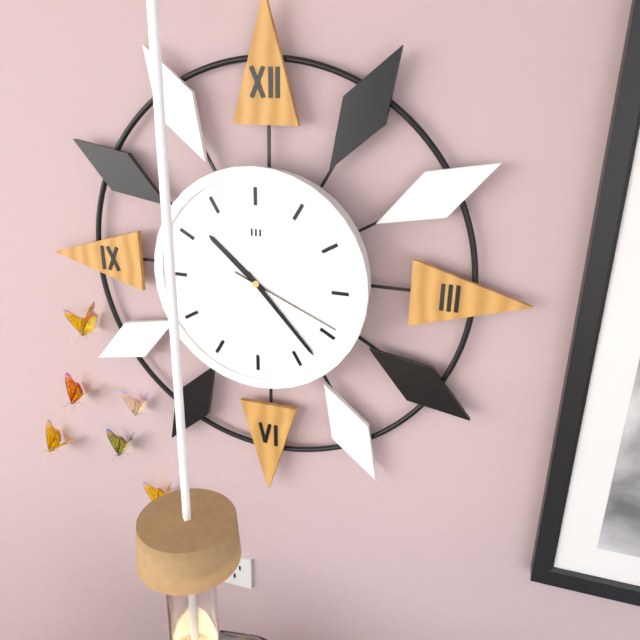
10:23:19
